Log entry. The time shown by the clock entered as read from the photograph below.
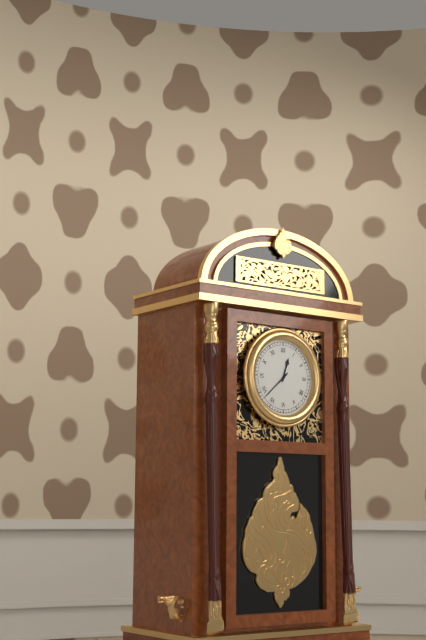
12:38
